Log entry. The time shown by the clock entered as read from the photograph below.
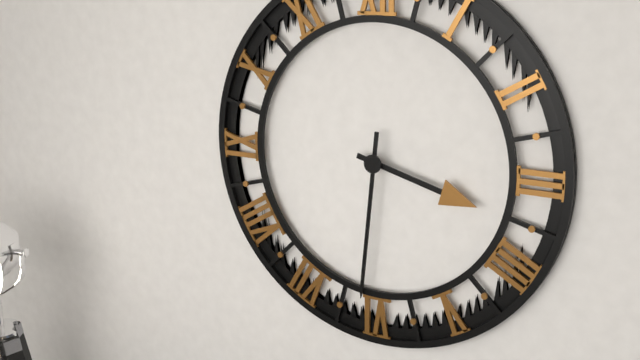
3:31
